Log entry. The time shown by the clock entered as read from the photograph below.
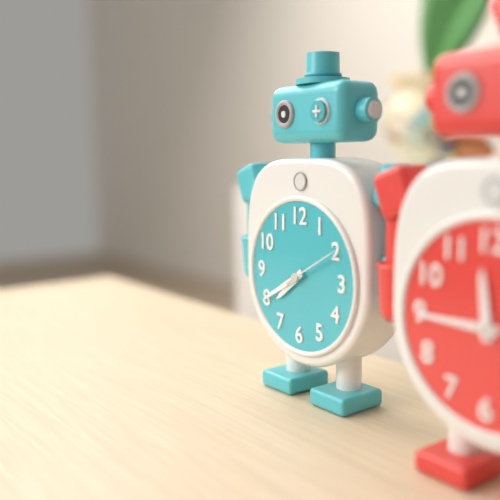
7:40:10
